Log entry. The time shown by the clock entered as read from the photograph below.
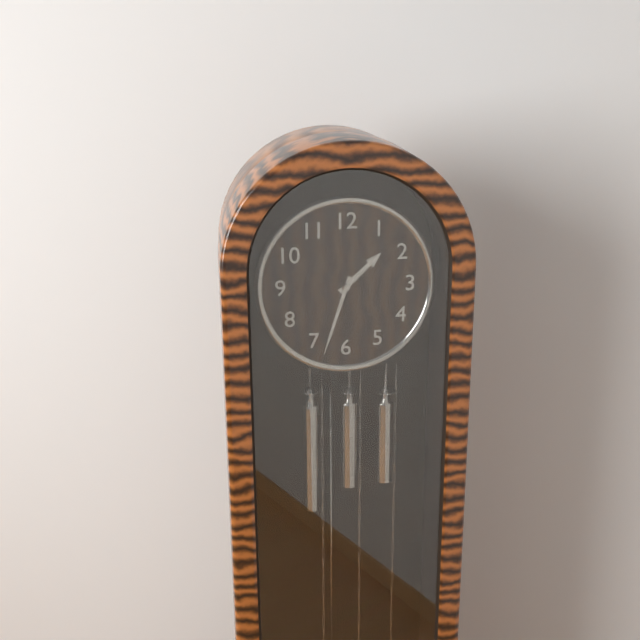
1:33
